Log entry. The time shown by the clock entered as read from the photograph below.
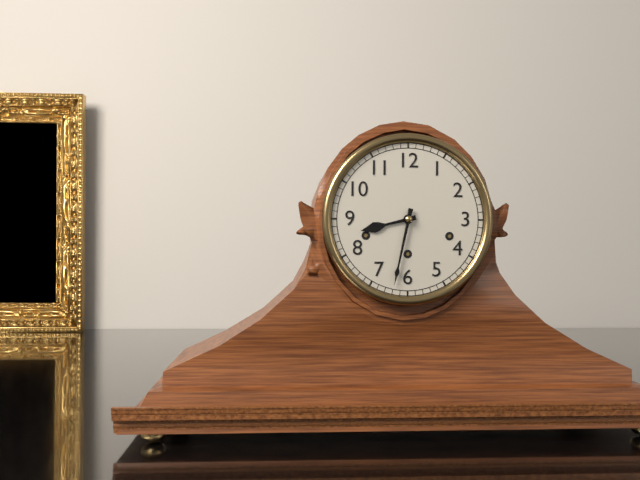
8:32
